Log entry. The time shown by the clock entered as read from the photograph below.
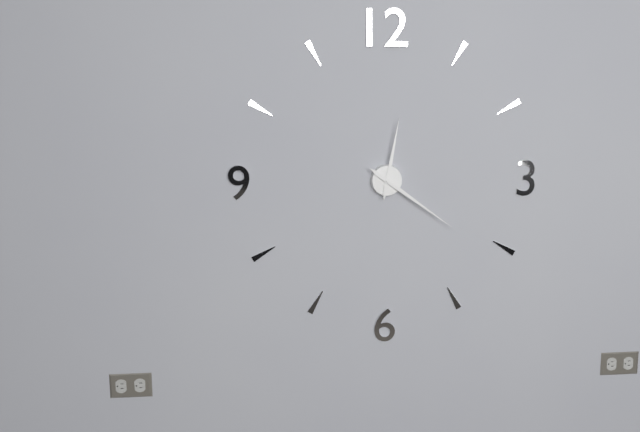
12:21
